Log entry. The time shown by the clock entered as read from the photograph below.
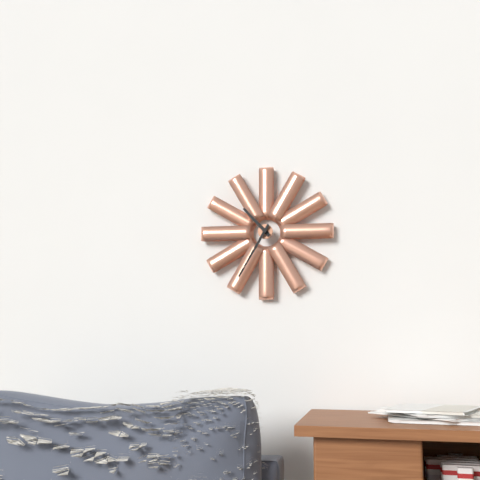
10:35
